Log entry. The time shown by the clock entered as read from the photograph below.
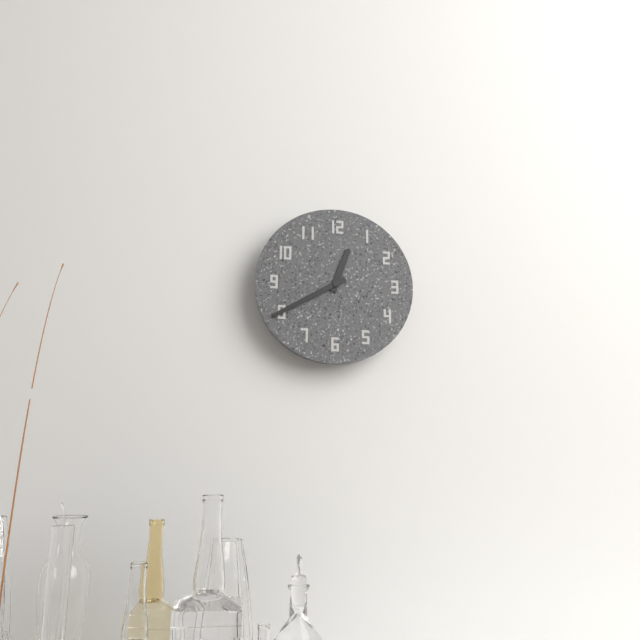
12:40
